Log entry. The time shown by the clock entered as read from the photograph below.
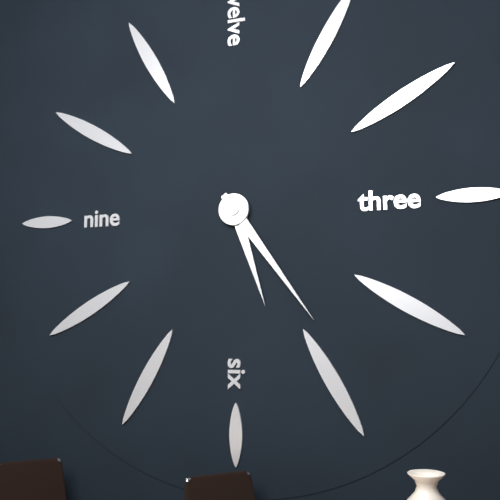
5:24
